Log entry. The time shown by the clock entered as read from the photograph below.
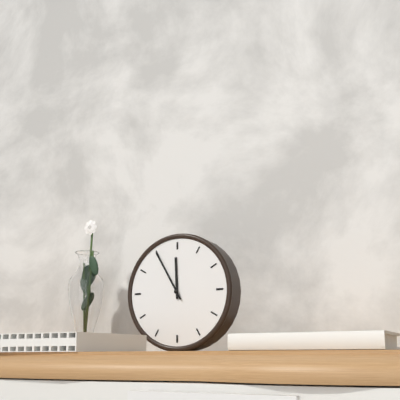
11:55
